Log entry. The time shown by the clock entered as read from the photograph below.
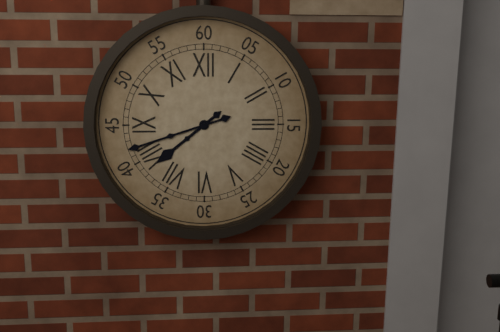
7:42
